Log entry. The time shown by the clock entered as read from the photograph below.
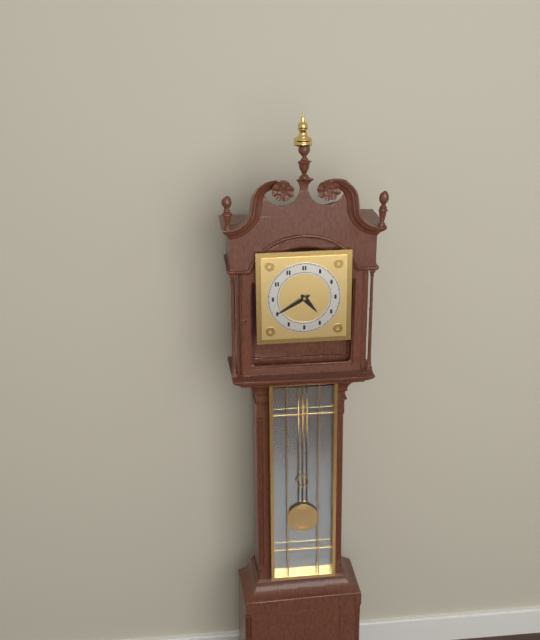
4:40
